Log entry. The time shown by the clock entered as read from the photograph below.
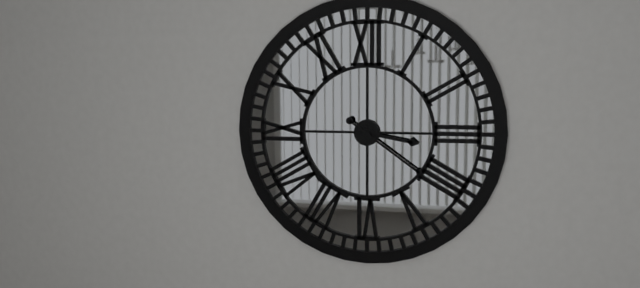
3:21
